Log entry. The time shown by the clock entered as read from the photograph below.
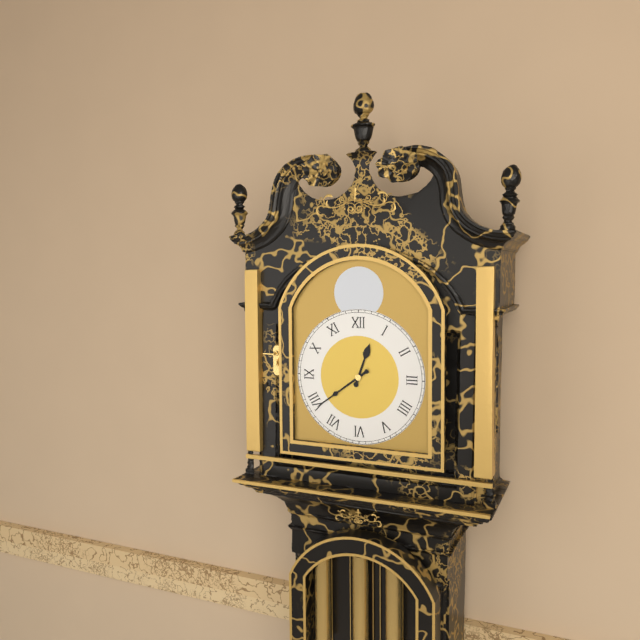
12:39
